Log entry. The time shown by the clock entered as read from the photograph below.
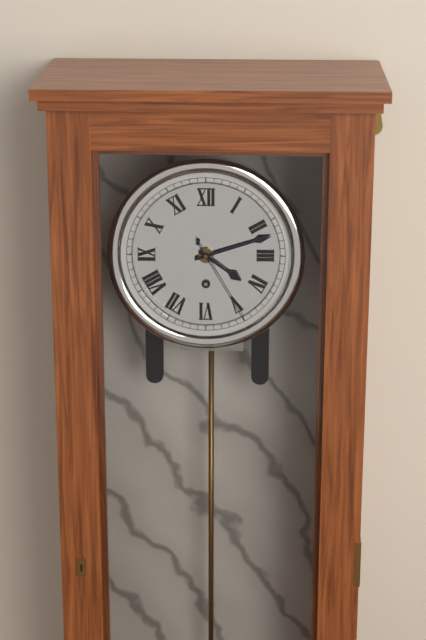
4:12:25
